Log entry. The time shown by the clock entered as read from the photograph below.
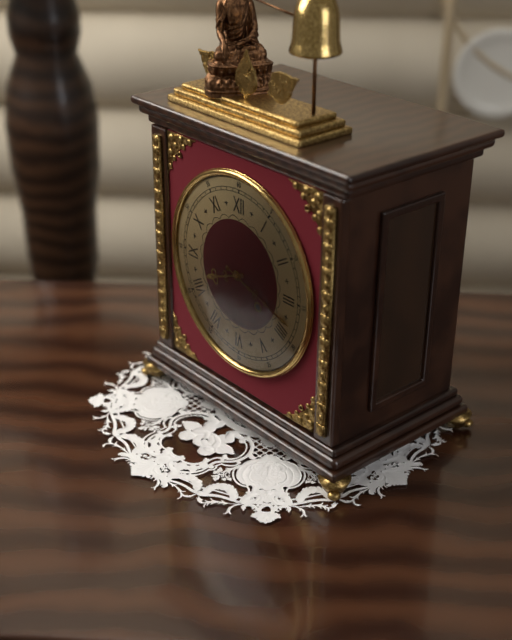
8:18
